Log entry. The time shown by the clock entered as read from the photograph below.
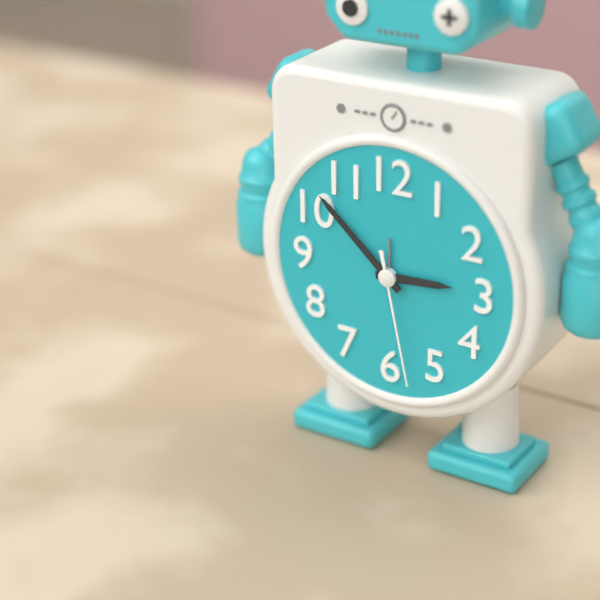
2:52:28
